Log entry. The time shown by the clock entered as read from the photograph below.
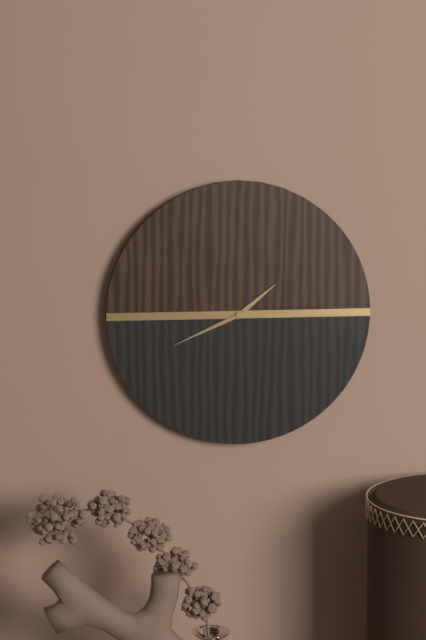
1:41
